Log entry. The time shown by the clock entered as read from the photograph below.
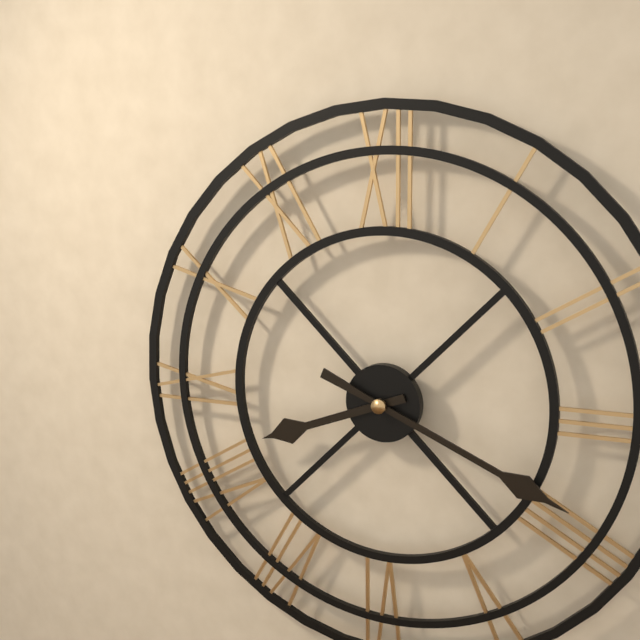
8:19
